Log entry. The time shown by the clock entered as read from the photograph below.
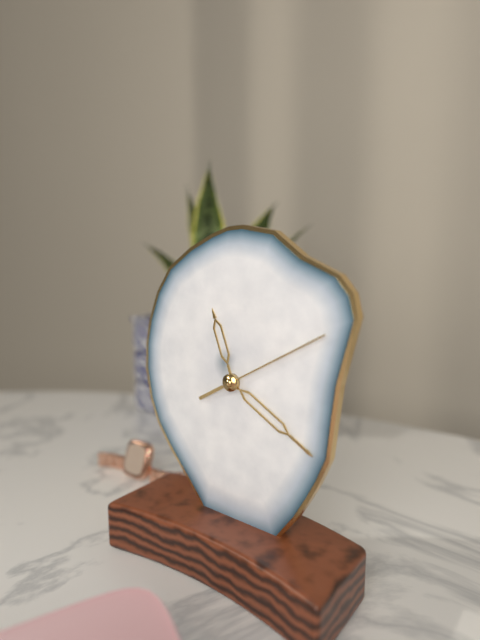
11:20:10
